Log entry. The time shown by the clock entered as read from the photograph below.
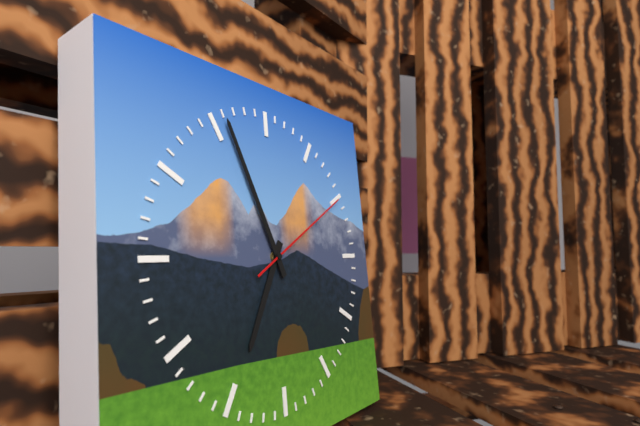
6:56:10
